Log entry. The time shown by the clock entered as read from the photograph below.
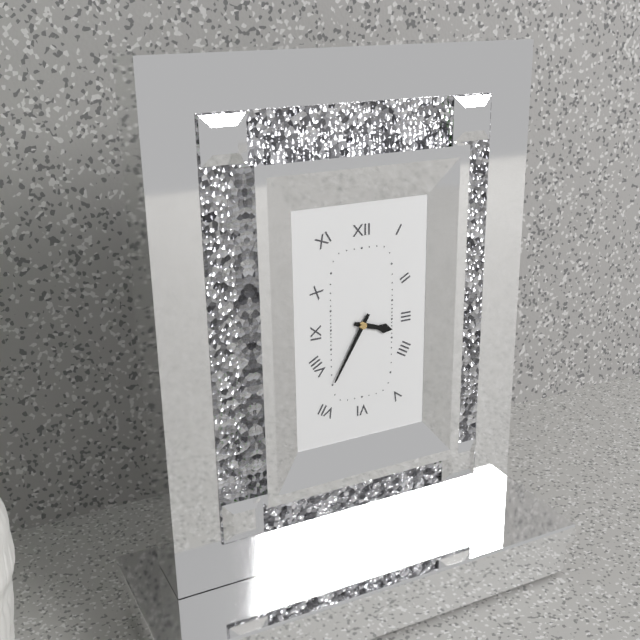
3:35
